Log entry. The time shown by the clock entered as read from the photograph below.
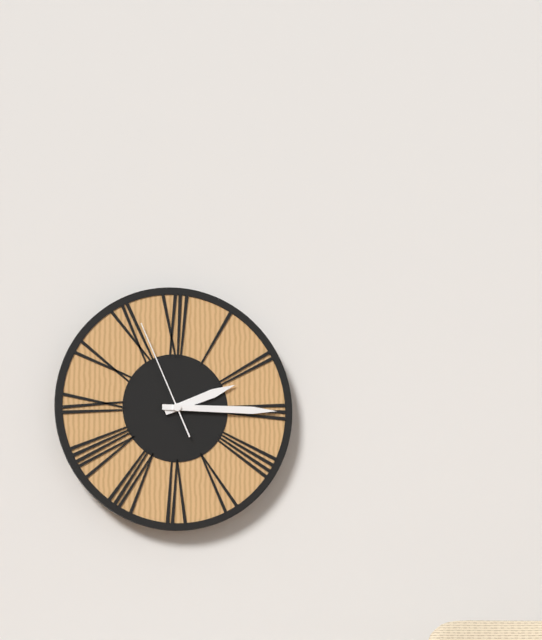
2:15:56
